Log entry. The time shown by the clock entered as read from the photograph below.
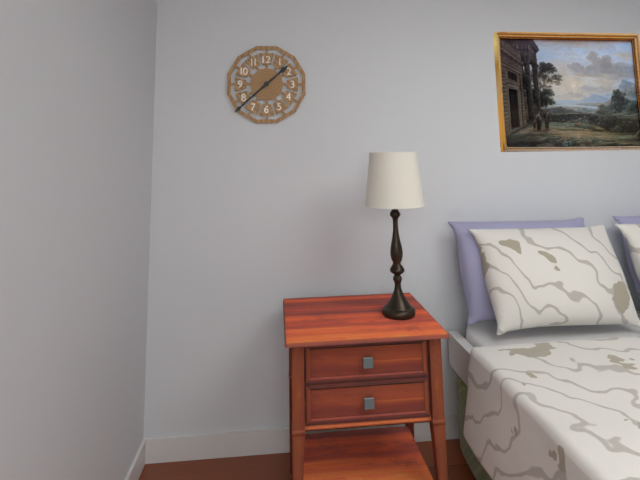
1:38
